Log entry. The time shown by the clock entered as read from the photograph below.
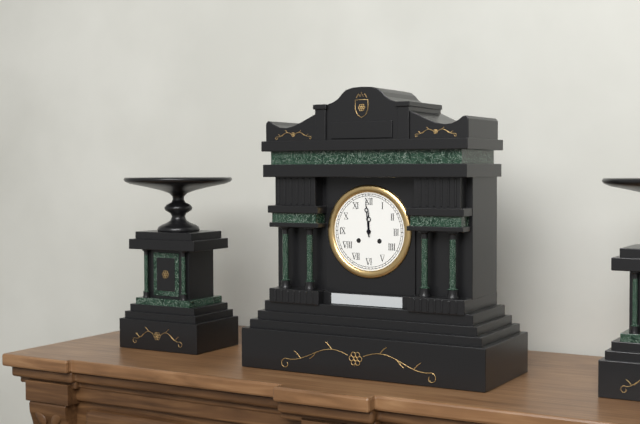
11:59
